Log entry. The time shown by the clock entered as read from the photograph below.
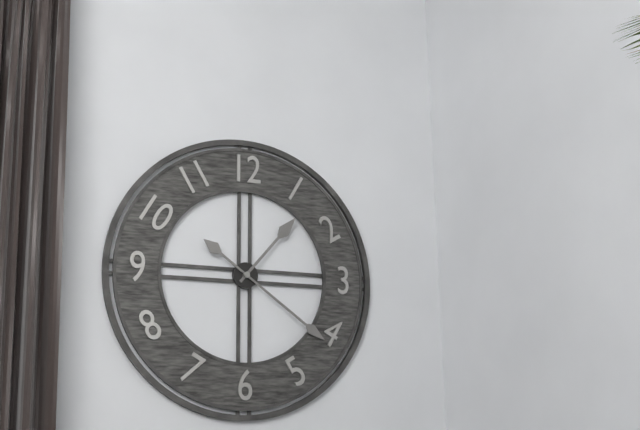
1:21
